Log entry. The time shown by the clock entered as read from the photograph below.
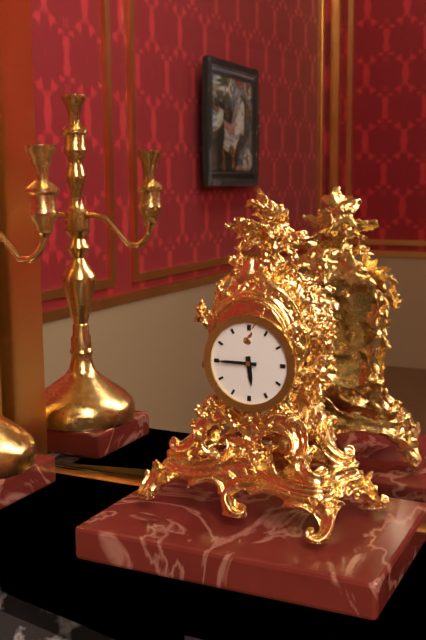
5:45
